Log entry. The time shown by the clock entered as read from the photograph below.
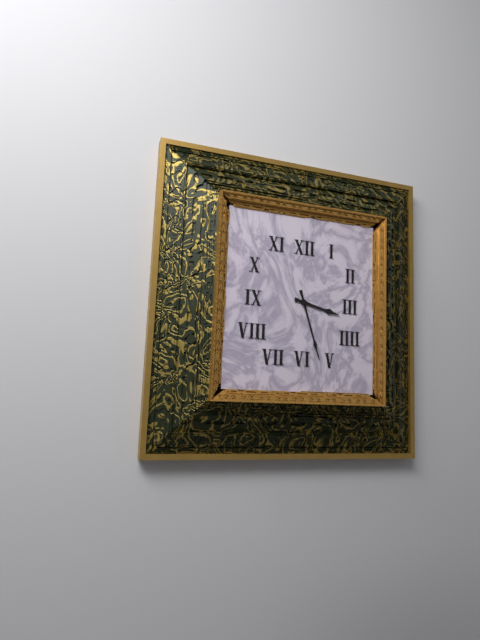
3:27
